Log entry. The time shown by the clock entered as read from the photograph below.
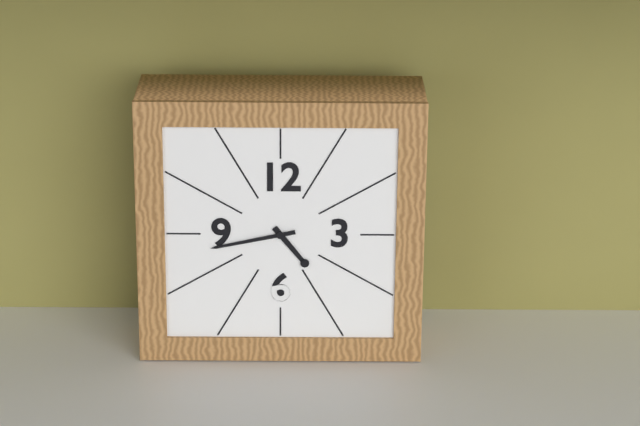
4:43
